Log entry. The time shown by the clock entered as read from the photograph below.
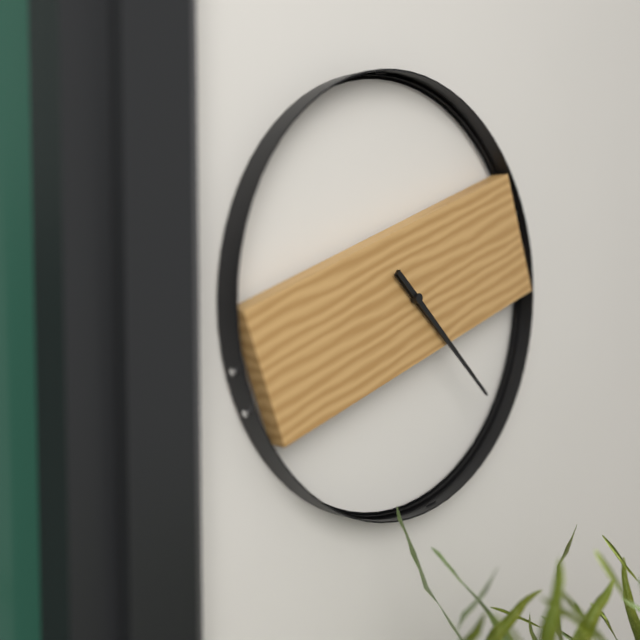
4:22
